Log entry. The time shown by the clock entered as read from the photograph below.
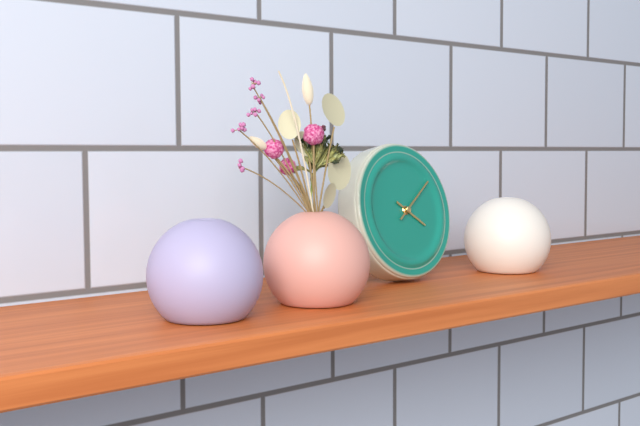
4:09
